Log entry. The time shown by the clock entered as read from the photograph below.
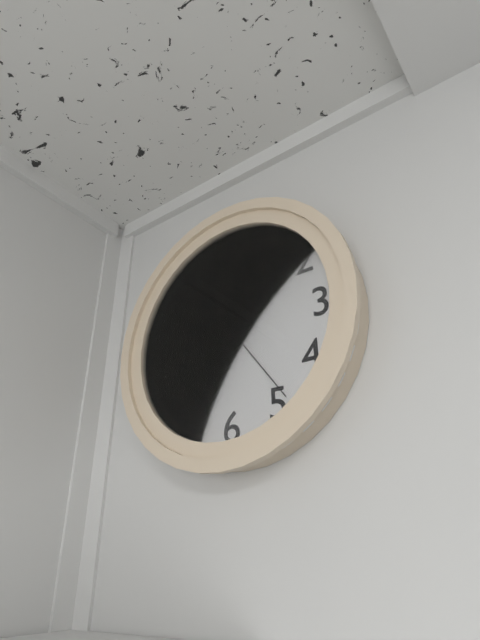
10:54:24
